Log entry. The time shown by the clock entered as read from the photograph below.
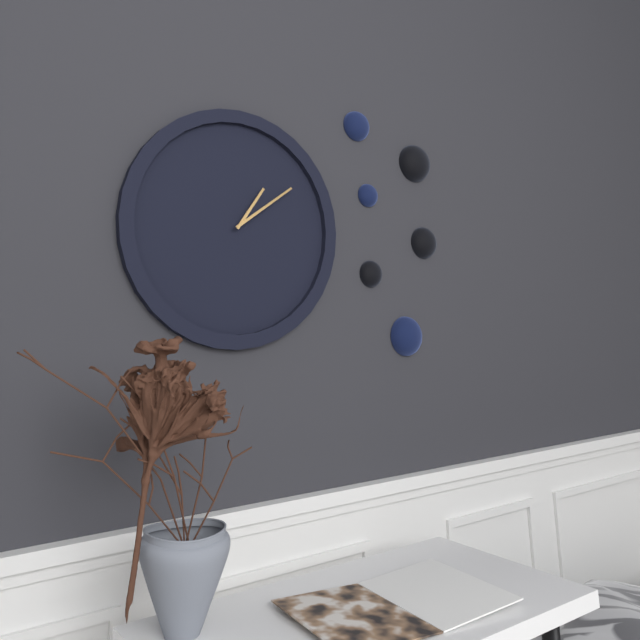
1:09
